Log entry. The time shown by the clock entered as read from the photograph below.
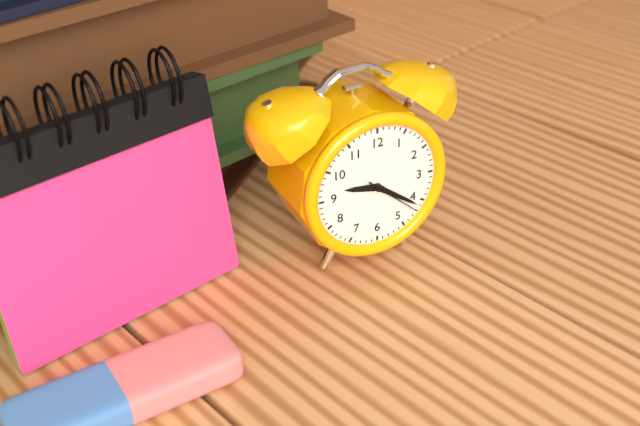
9:21:22
